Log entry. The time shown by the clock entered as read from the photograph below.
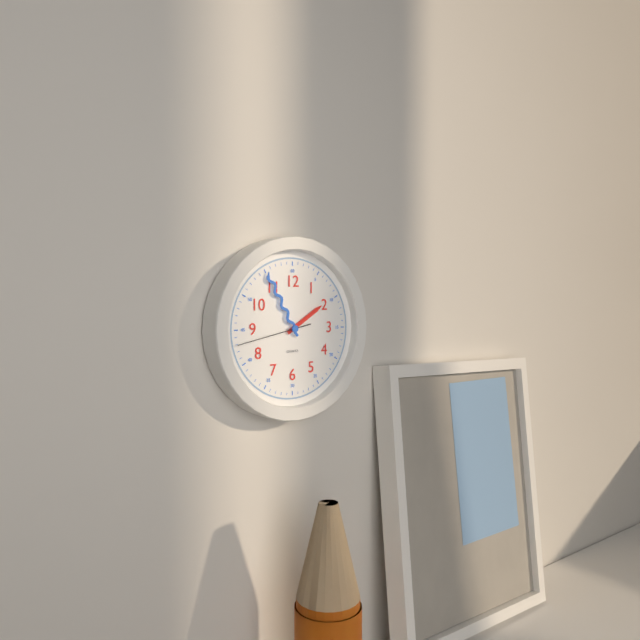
1:55:43
